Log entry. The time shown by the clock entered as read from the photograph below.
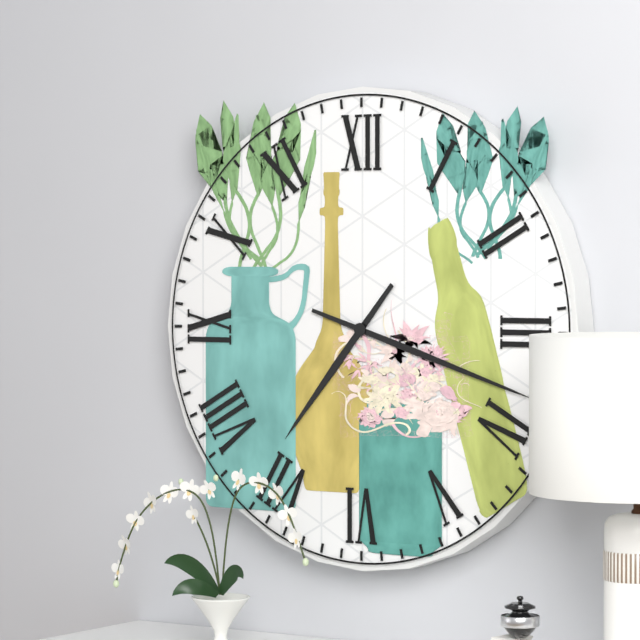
7:18
